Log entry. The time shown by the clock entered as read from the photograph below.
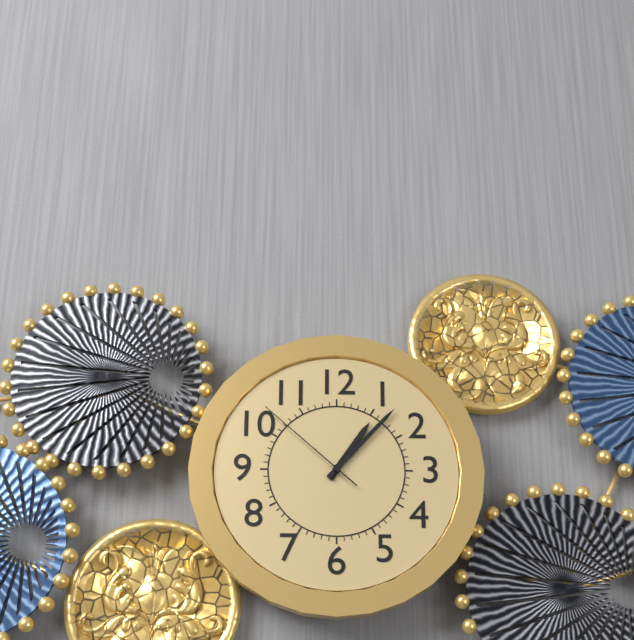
1:07:52
